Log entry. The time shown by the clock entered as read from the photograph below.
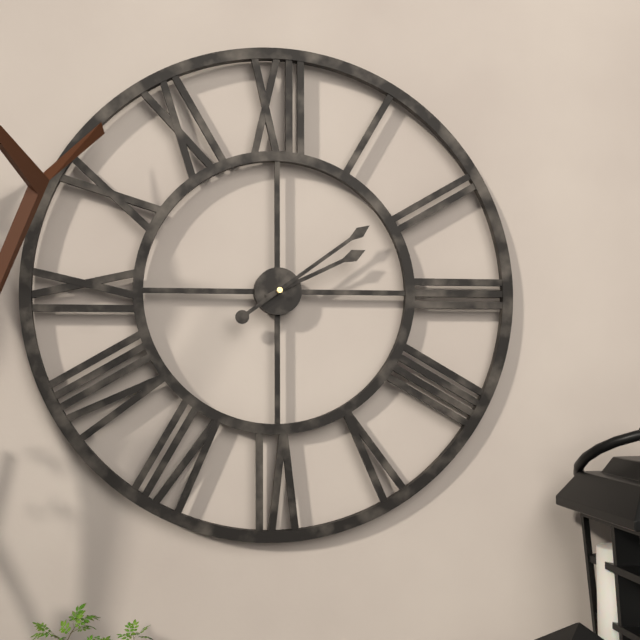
2:09
